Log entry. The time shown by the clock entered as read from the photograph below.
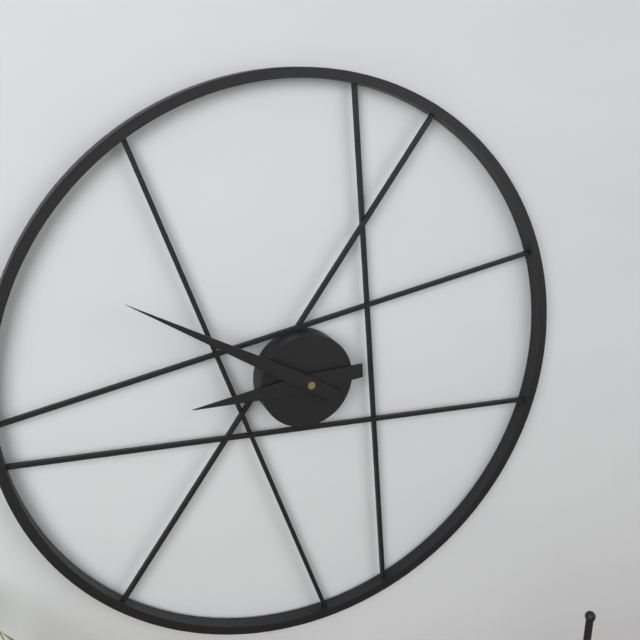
8:50
